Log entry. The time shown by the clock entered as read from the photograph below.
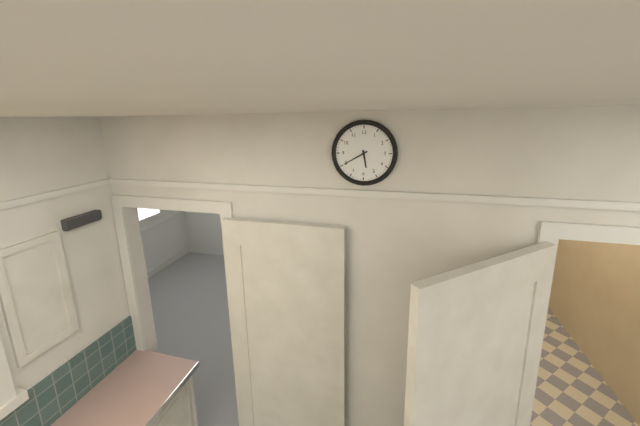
5:40
